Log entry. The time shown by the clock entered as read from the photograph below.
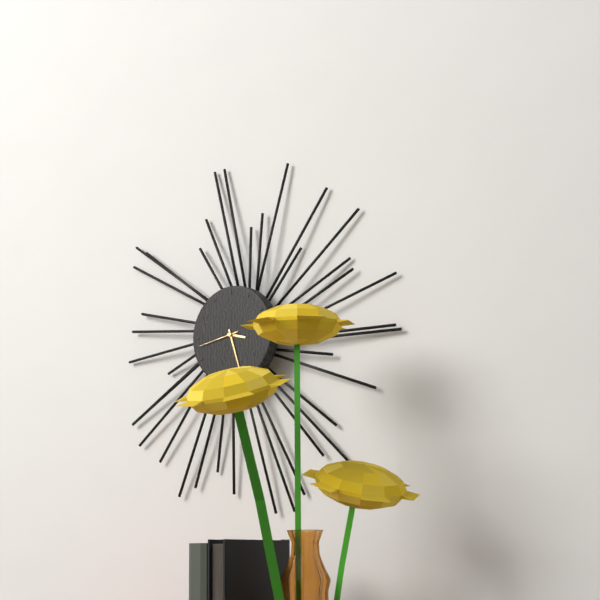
3:27
